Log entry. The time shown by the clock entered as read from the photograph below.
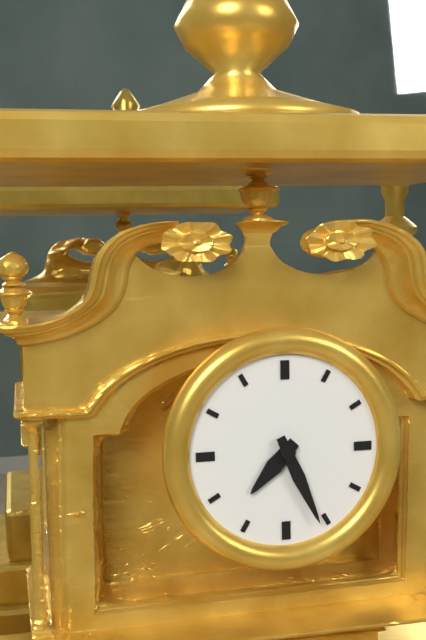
7:26
